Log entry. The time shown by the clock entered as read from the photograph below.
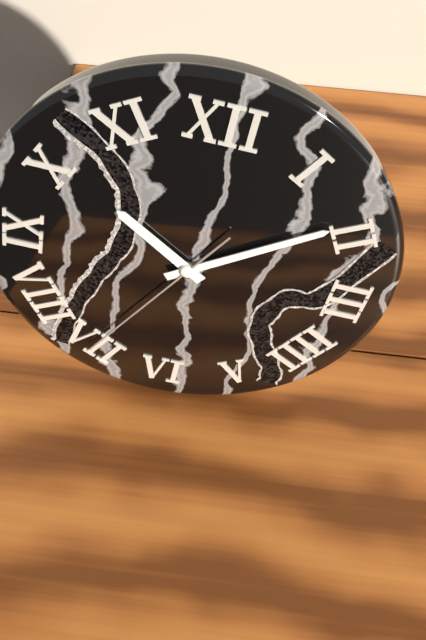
10:09:35
